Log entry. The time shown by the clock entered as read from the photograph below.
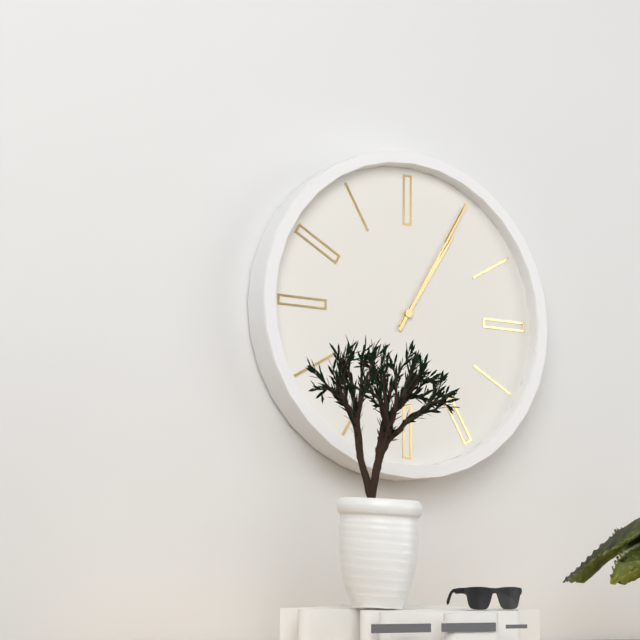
1:05
